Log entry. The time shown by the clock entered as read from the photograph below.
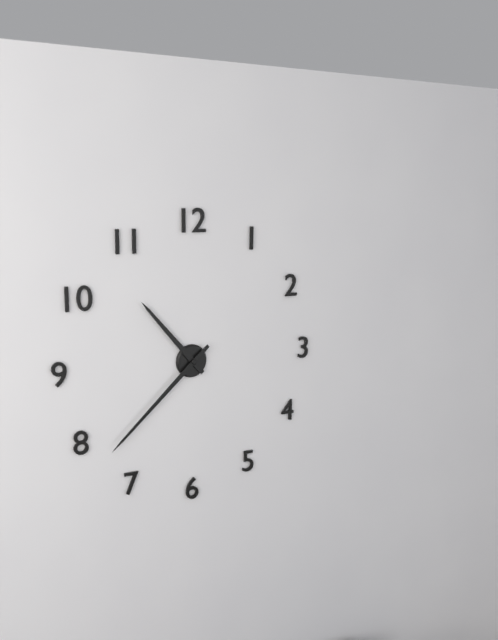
10:38
